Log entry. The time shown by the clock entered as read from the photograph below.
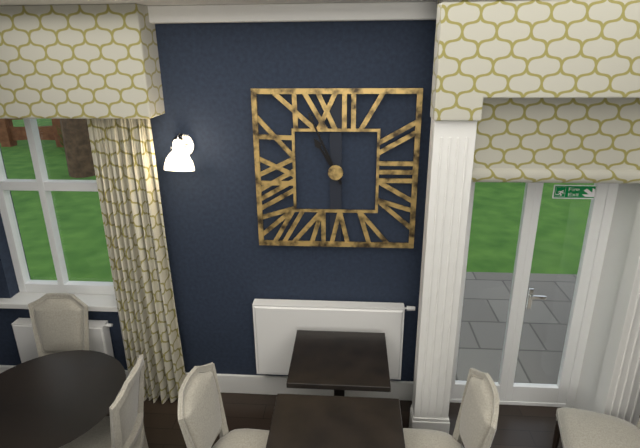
10:56
